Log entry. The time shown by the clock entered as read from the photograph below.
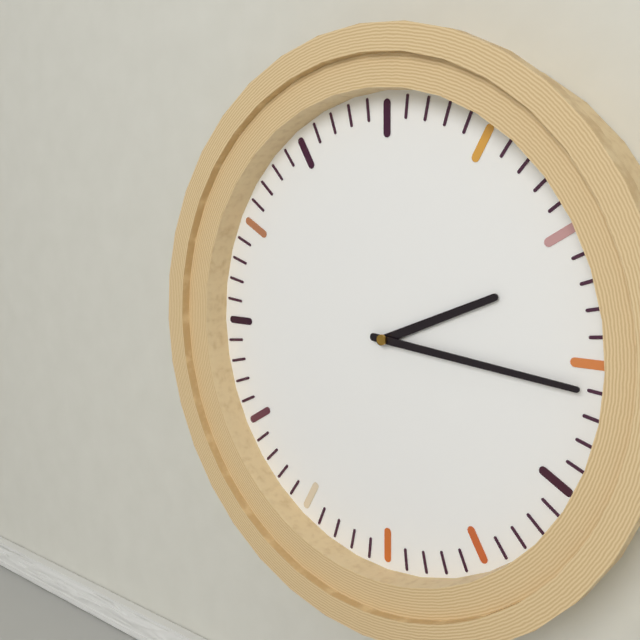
2:16
